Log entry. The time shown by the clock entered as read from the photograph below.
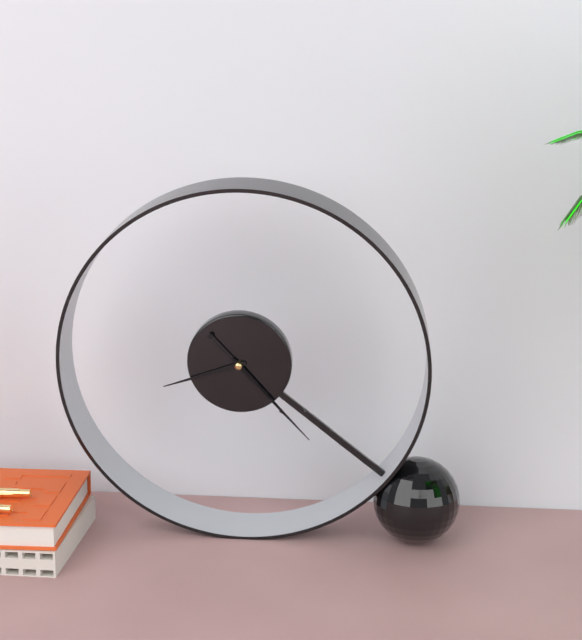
8:23:23
